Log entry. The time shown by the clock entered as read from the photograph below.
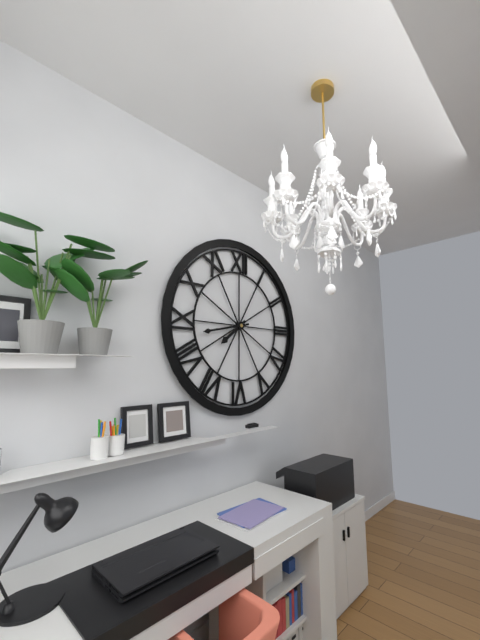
7:43
